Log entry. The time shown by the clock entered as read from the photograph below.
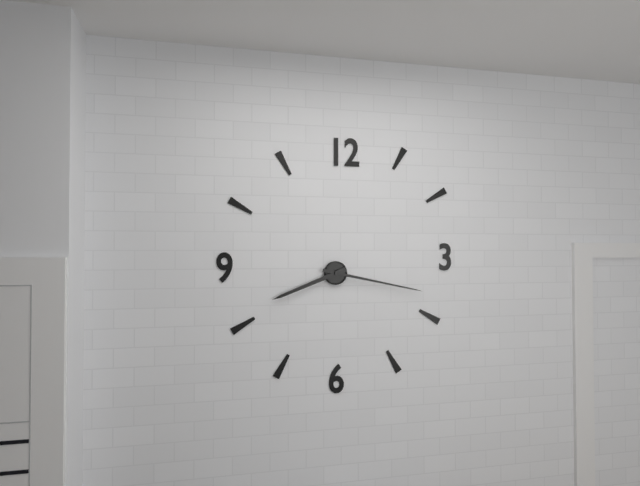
8:17
